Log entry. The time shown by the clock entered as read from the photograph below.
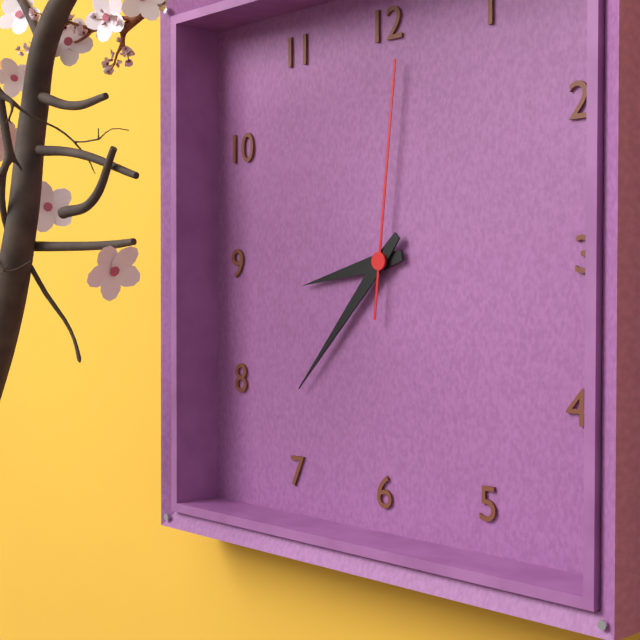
8:37:01
